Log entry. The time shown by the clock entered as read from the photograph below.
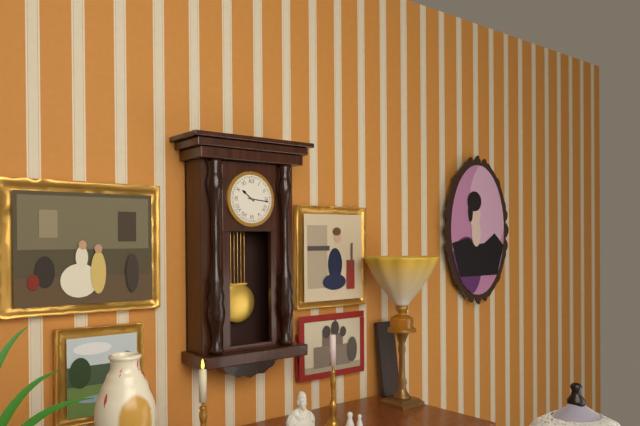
10:16
